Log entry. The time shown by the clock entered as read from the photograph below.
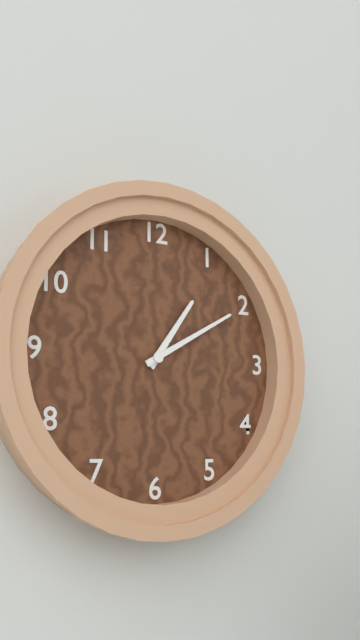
1:10
